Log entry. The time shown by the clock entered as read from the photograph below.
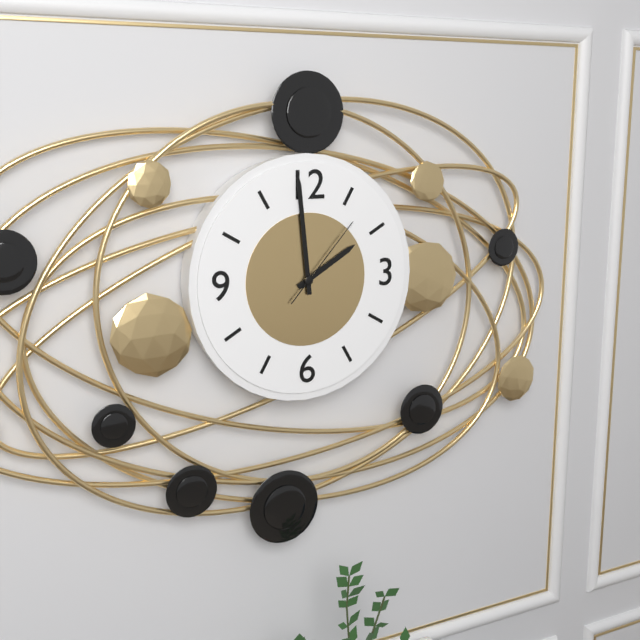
1:59:07
